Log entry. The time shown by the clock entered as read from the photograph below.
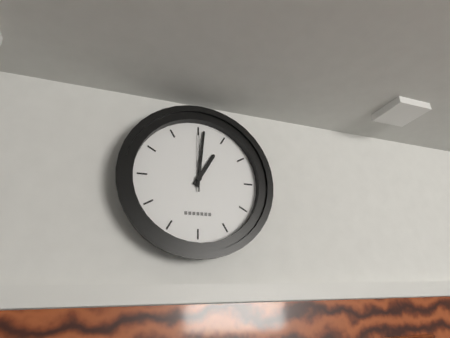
1:01:00
